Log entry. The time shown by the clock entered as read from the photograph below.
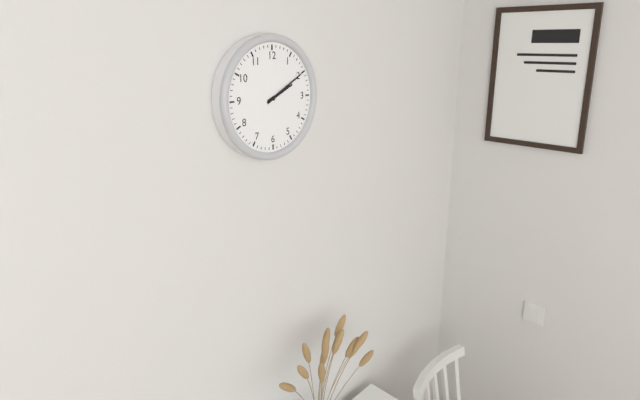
2:10
